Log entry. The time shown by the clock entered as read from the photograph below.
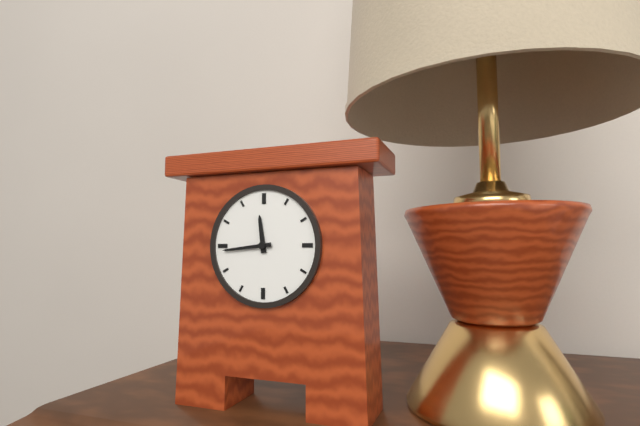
11:44
